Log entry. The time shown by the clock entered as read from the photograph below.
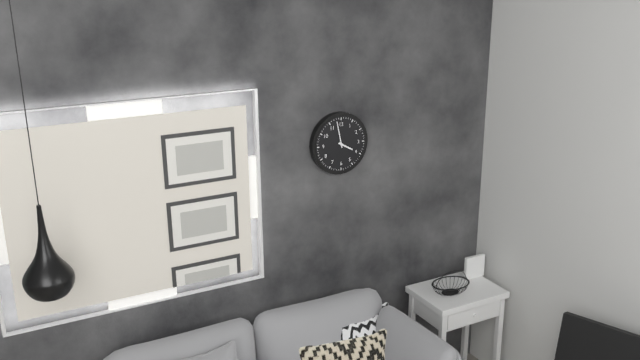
3:58
